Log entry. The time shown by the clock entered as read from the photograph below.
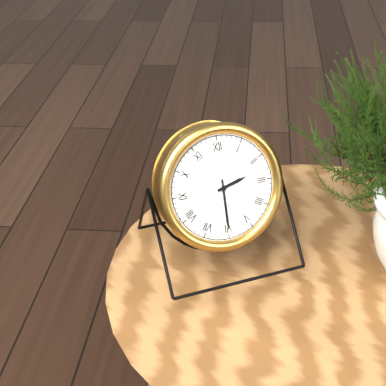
2:30
